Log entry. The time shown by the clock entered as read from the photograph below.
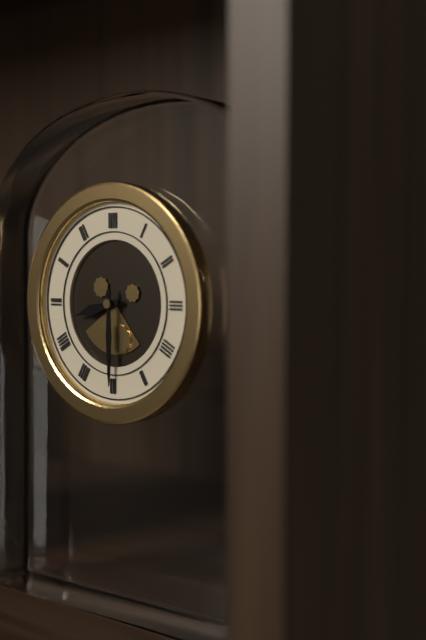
8:30
